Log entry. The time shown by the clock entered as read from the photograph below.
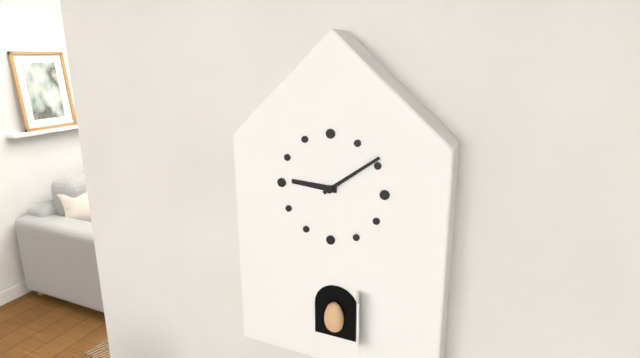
9:09
